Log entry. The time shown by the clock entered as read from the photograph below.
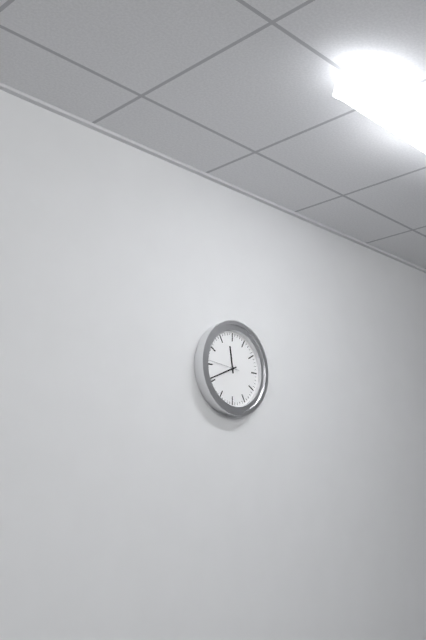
11:41
